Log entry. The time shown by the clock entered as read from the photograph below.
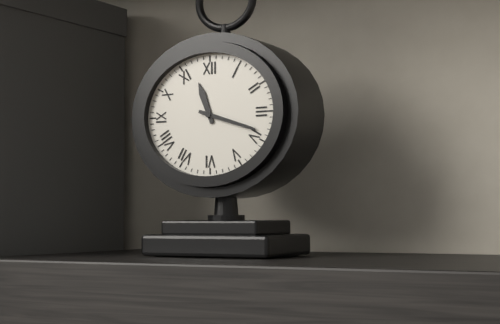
11:18
